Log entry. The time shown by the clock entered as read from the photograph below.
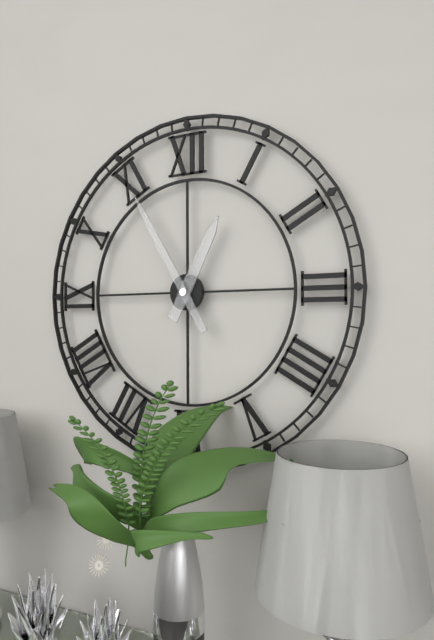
12:55
